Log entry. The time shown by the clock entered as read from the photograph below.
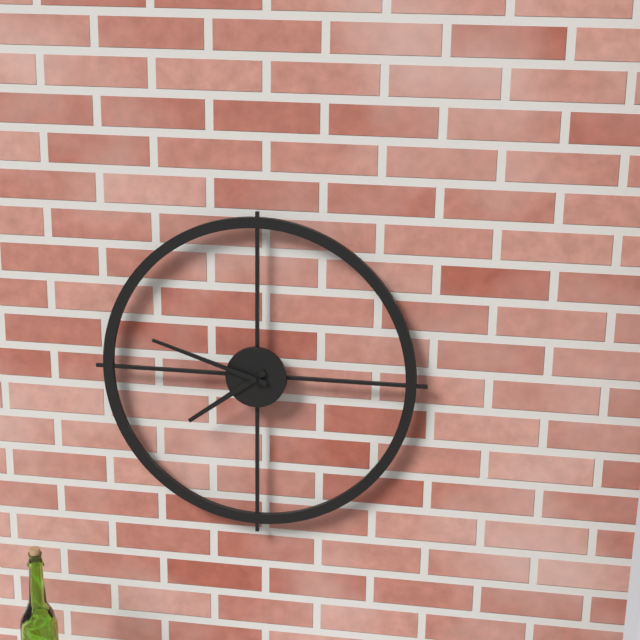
7:48
